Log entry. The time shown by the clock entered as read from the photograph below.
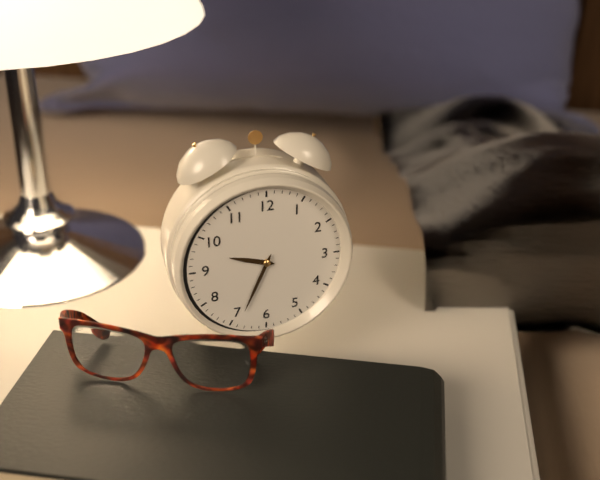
9:34
